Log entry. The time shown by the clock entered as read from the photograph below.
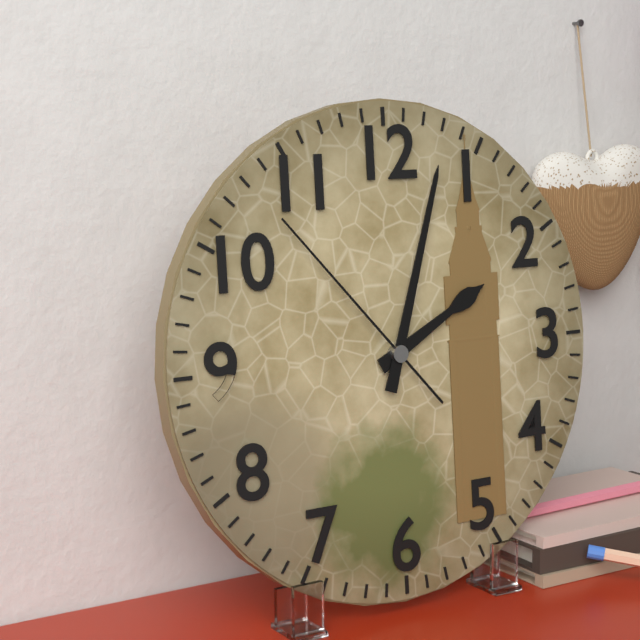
2:03:53
